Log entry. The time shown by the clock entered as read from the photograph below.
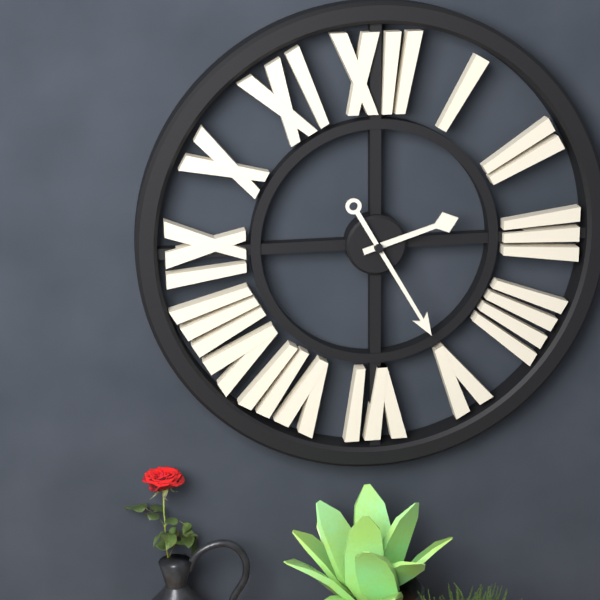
2:25
